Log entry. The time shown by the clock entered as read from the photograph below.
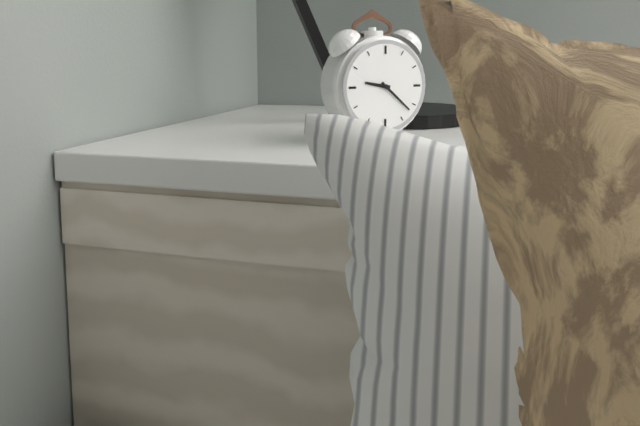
9:22
